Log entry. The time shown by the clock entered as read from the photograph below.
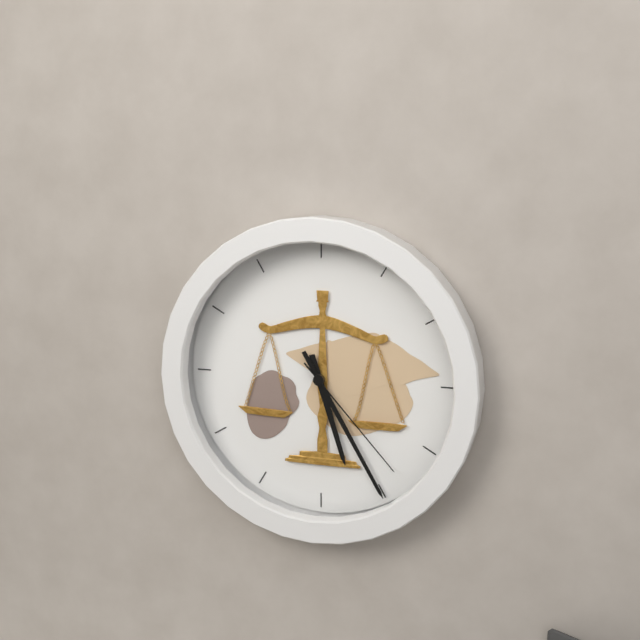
5:25:23
